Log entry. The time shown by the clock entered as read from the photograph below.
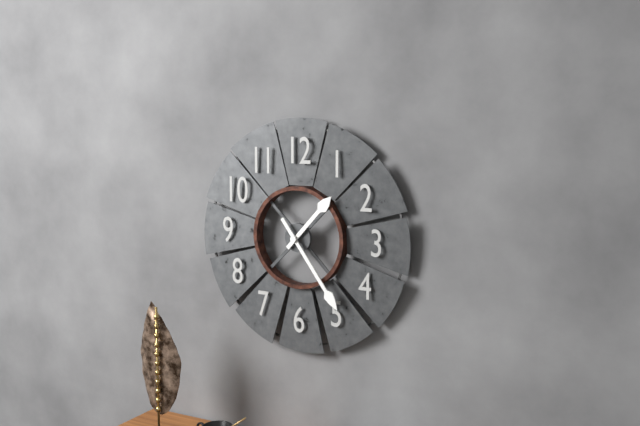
1:24
